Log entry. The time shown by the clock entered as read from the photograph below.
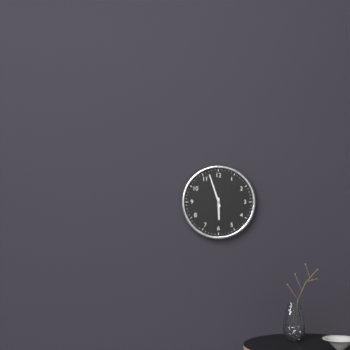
5:57
